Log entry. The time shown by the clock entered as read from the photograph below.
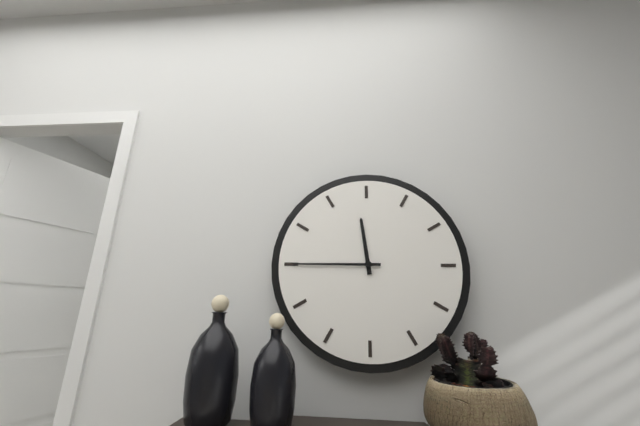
11:45
